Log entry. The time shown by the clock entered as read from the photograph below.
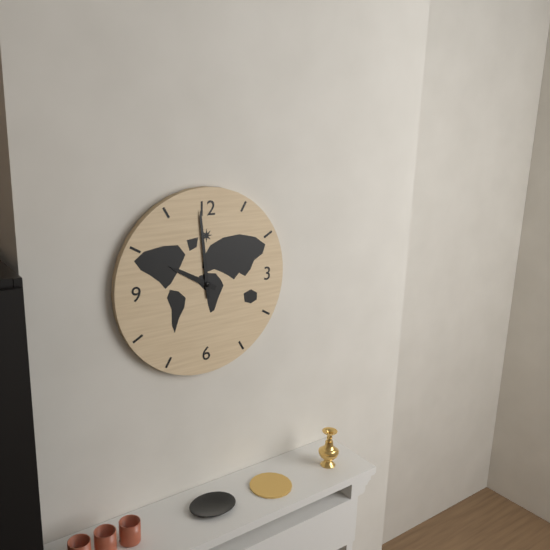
9:59
